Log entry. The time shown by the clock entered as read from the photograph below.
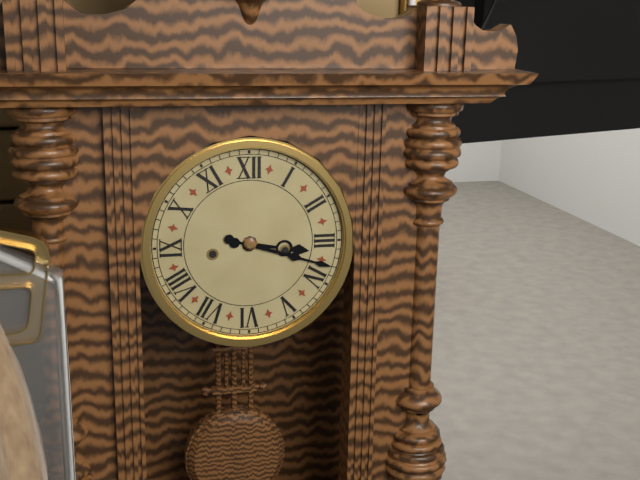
3:18
